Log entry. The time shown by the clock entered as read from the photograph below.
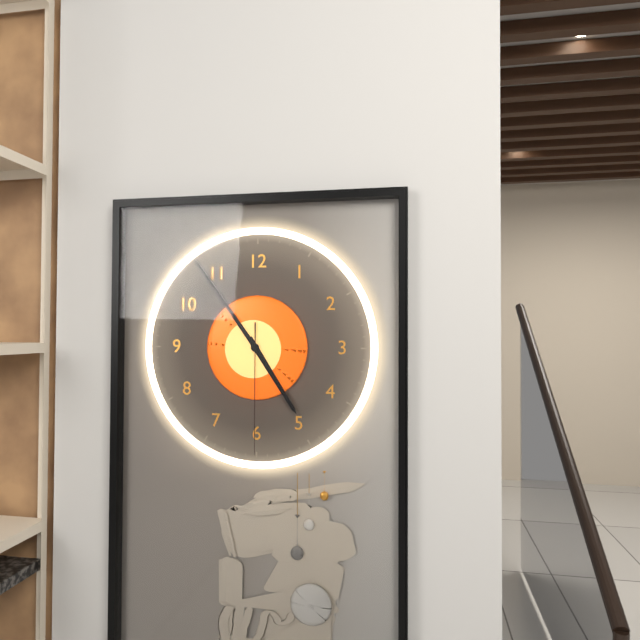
4:54:30
